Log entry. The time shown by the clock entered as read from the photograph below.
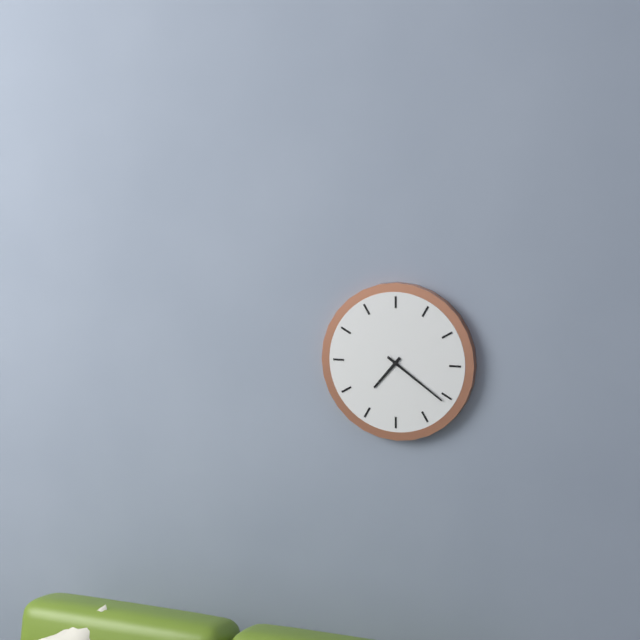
7:21
